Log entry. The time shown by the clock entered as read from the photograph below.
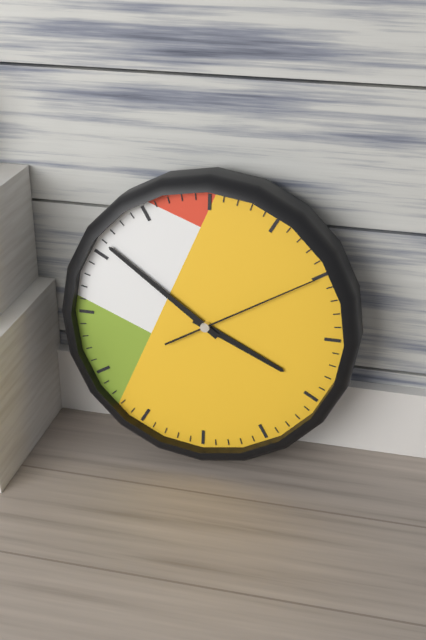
3:51:10
